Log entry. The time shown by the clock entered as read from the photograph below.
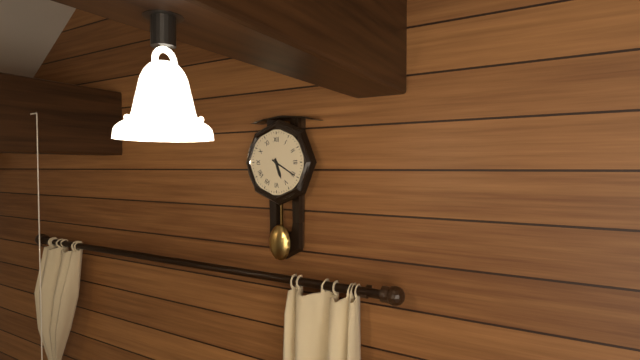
5:20
